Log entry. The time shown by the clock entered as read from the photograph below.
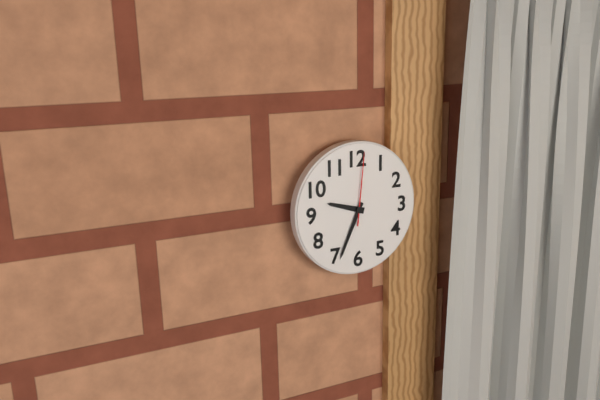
9:34:01
